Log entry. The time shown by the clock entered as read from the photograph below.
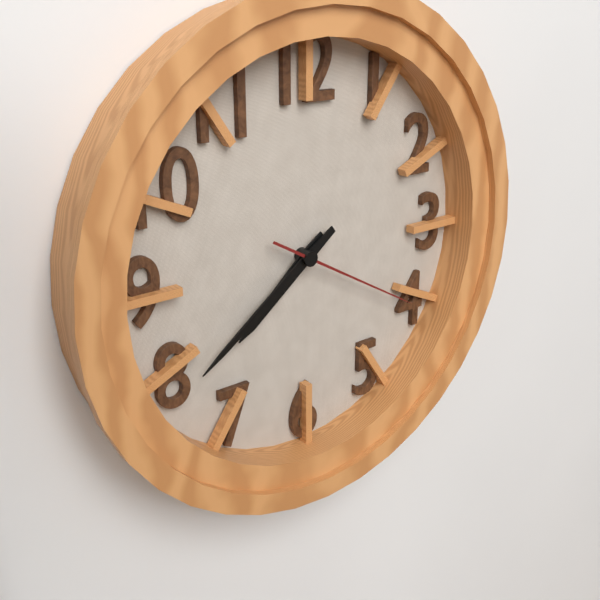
7:39:20
